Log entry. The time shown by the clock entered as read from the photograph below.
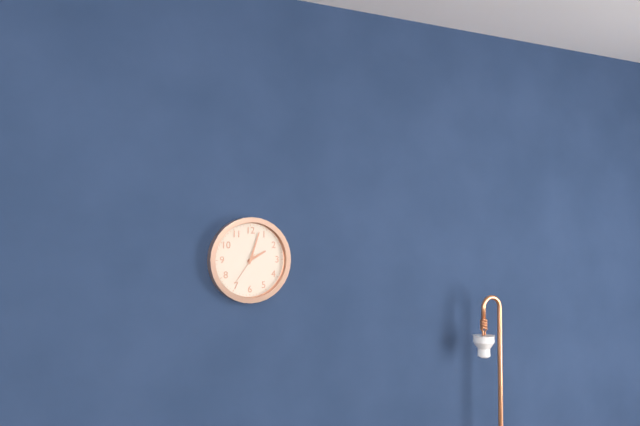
2:03
